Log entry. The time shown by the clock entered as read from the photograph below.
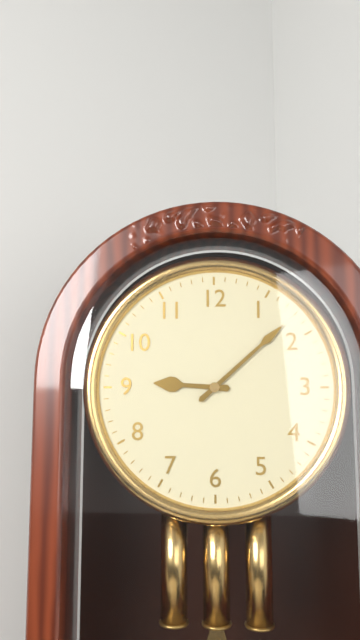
9:08
